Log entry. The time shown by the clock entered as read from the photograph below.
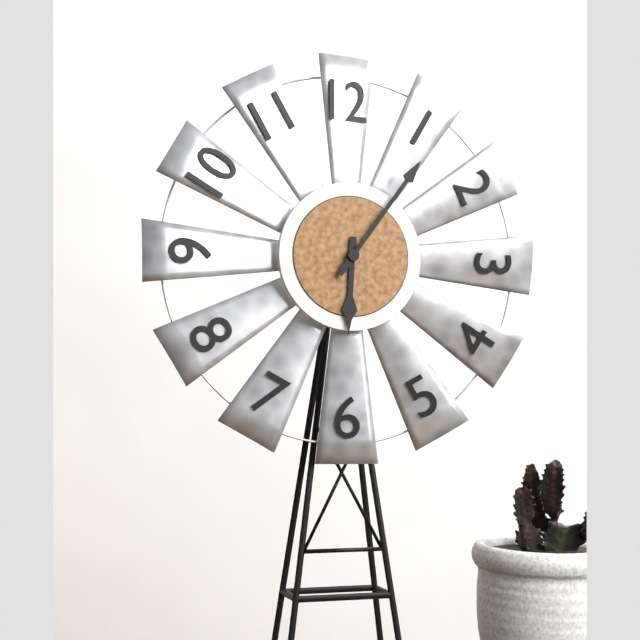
6:06
